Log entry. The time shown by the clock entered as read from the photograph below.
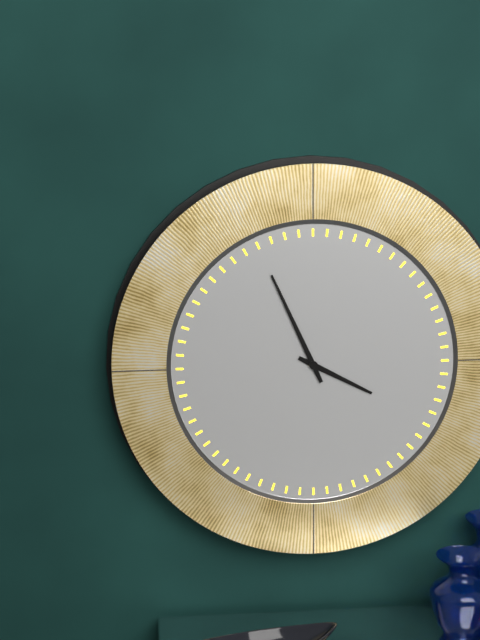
3:56
